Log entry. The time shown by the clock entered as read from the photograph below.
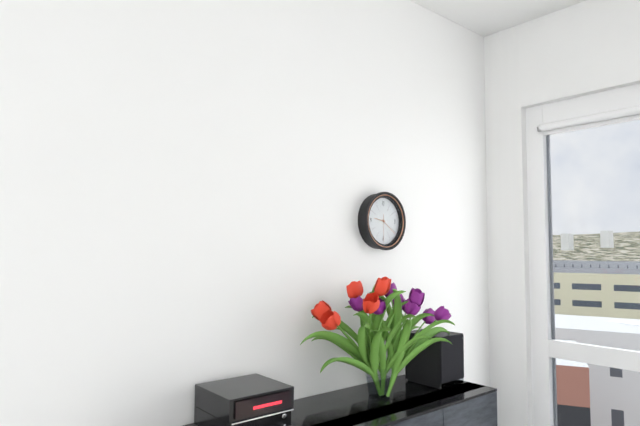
9:21
